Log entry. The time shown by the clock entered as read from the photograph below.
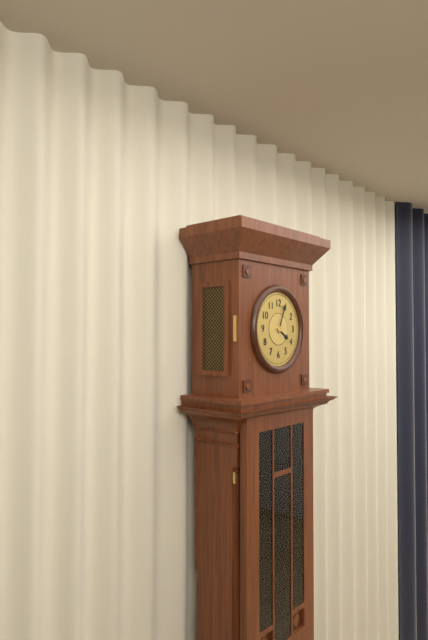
4:04
